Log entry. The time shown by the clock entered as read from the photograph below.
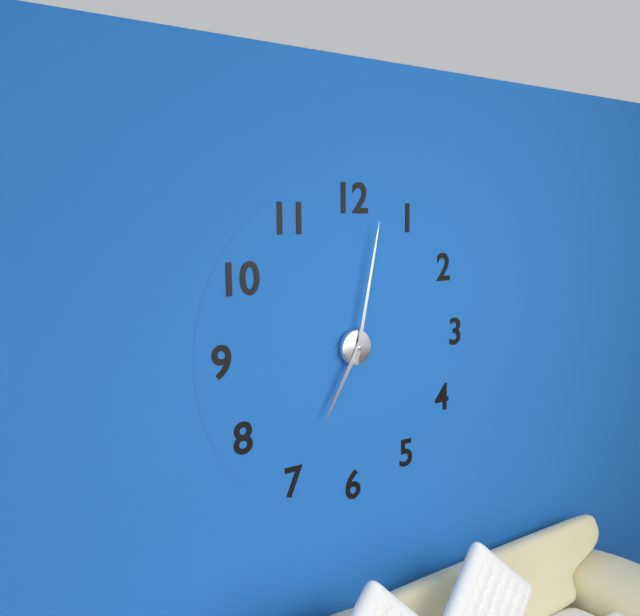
7:02
